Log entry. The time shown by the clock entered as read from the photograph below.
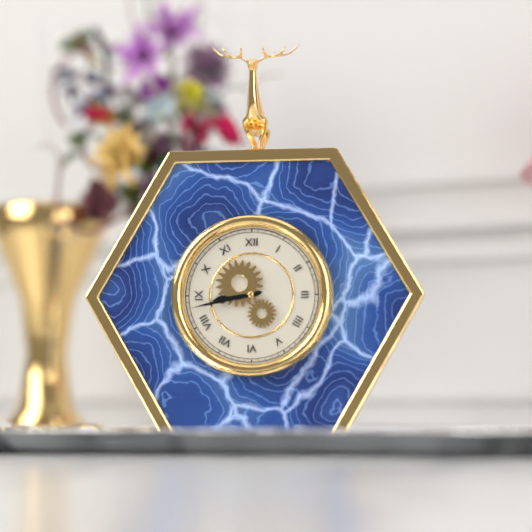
8:43
